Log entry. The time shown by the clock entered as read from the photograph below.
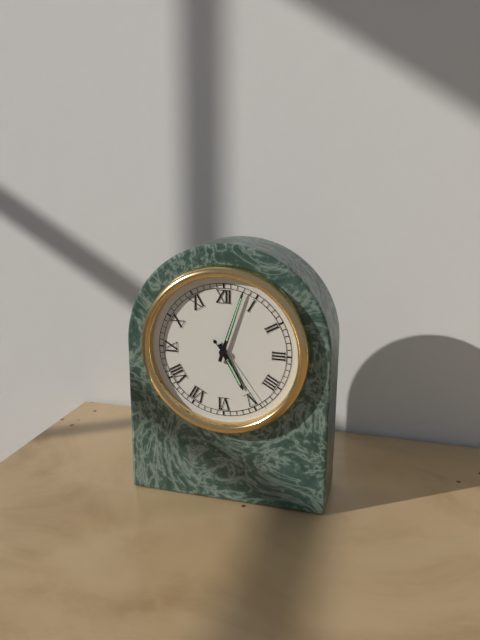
5:03:24
